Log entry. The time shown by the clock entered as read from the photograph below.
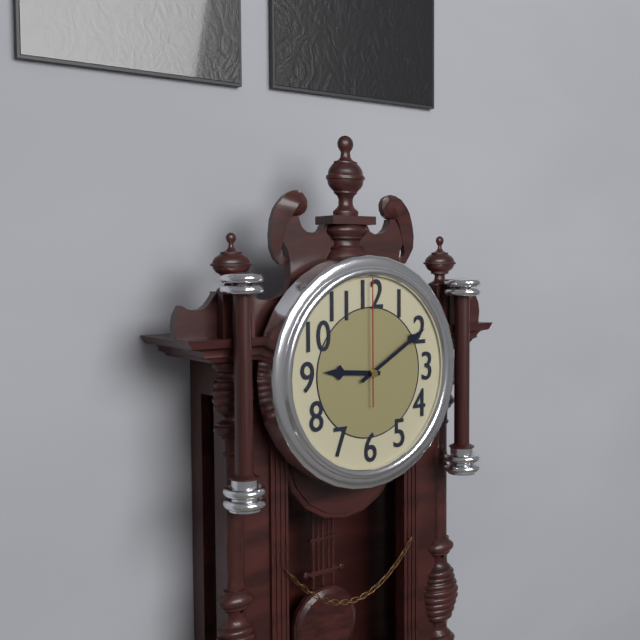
9:10:00
